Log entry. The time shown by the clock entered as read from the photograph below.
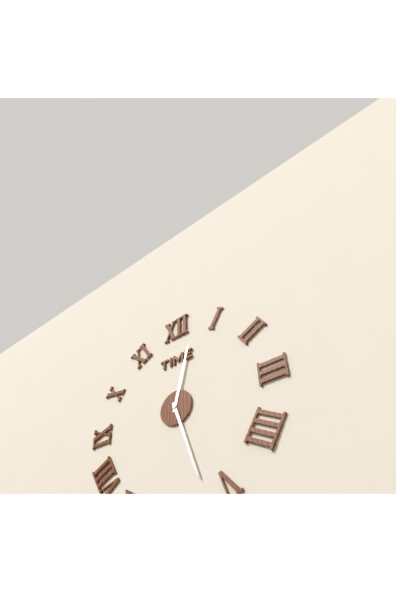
12:27
